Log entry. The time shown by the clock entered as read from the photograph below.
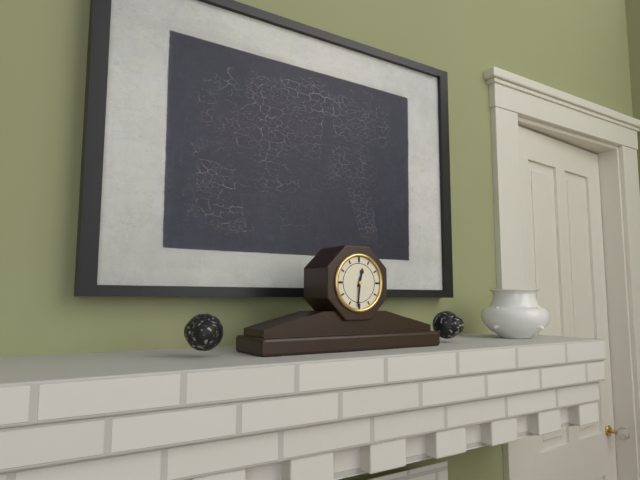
12:31
